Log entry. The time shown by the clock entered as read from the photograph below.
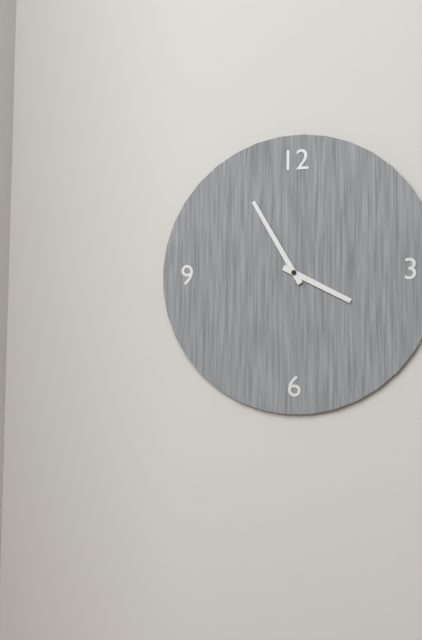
3:55
